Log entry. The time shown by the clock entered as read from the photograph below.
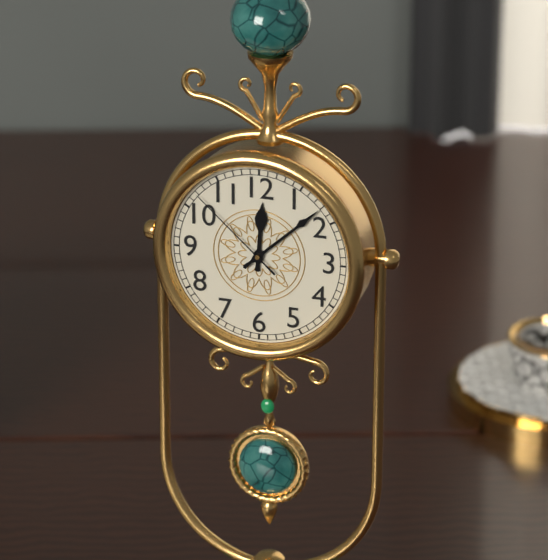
12:08:52
